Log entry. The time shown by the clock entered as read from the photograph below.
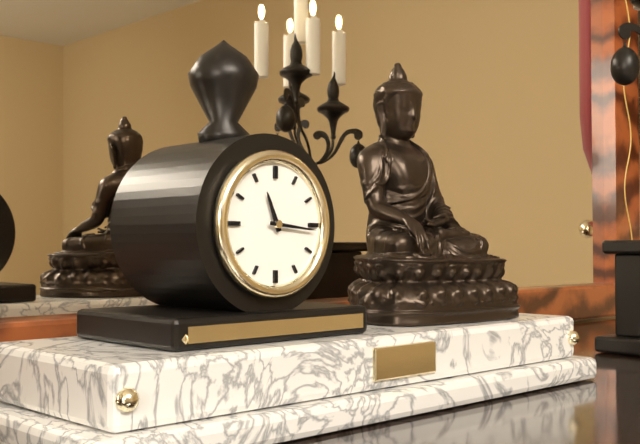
11:16
